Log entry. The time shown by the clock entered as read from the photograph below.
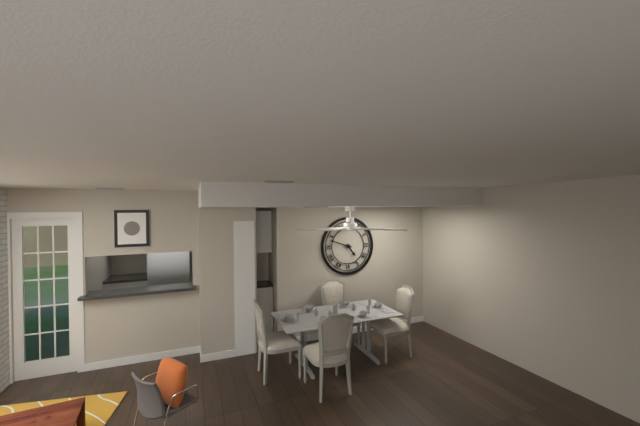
4:48
